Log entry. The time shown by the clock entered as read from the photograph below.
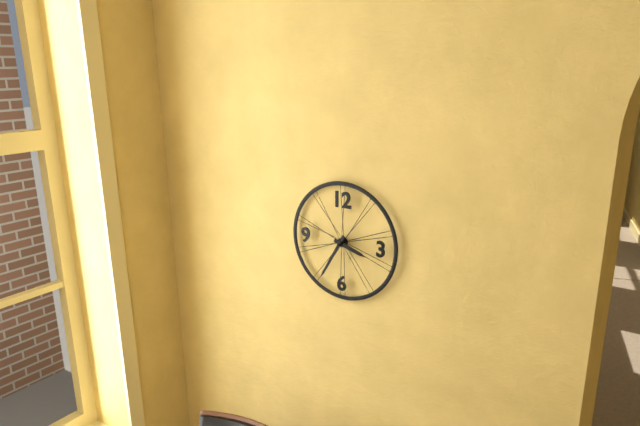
3:35
